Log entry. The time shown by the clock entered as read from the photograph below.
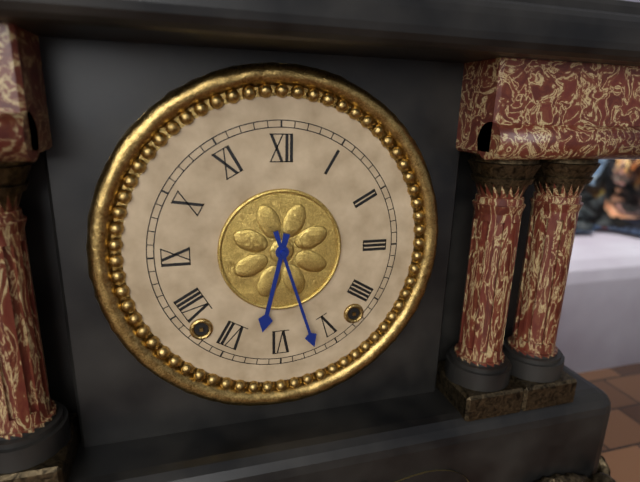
6:27
